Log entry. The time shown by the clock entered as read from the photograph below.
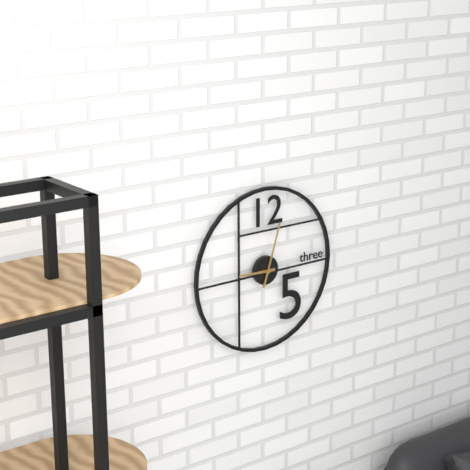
9:03
